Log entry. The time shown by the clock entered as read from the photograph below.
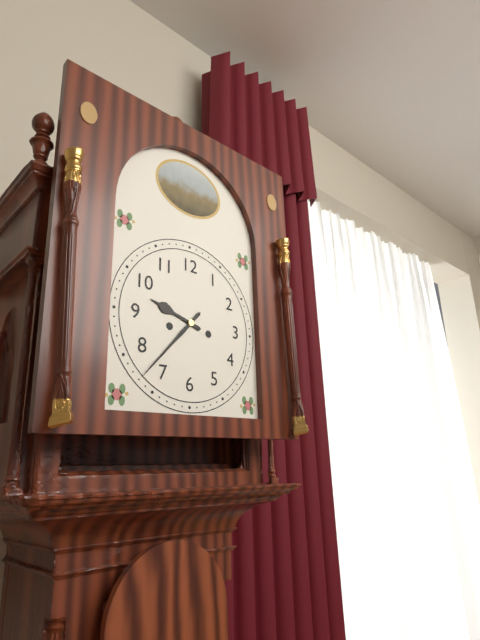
9:37
